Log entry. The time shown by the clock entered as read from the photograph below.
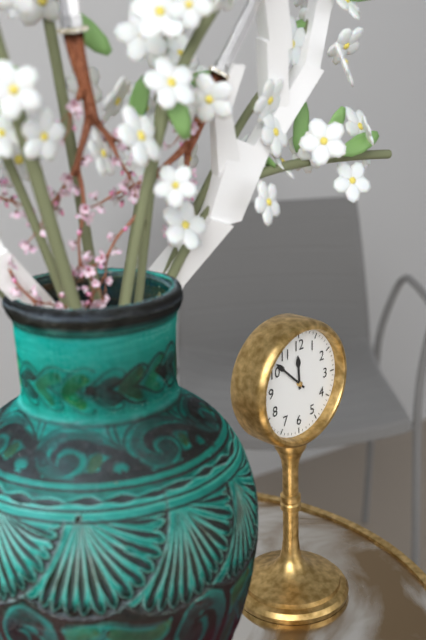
11:52
